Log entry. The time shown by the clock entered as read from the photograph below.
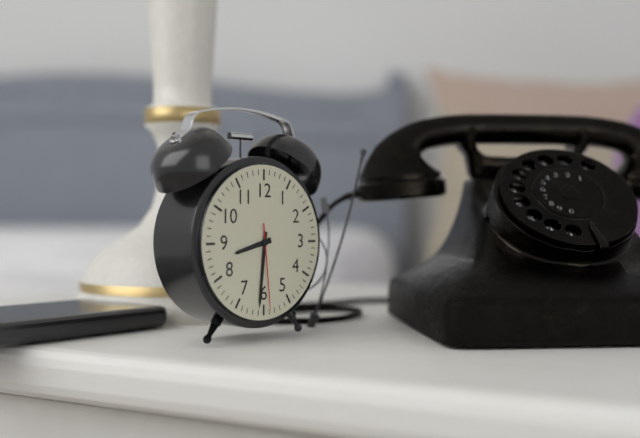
8:31:29
